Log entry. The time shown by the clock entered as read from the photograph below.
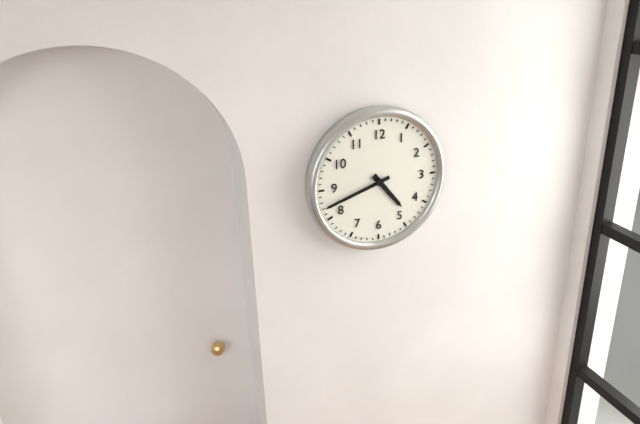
4:42
